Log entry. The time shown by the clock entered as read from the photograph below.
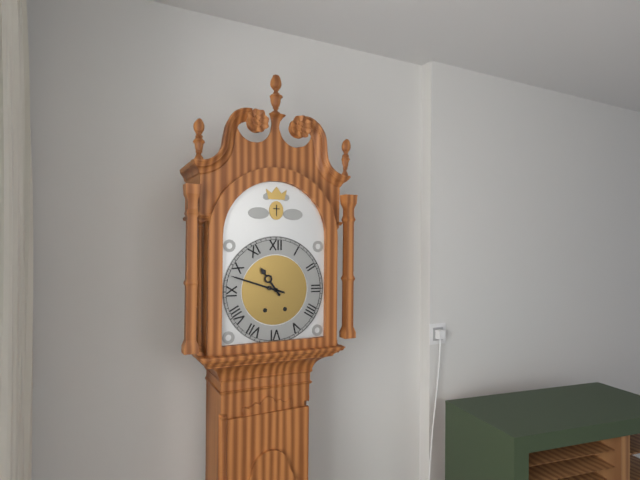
10:48
